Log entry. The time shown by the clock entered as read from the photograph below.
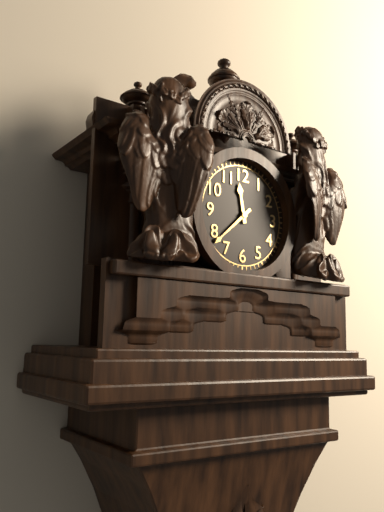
11:38
